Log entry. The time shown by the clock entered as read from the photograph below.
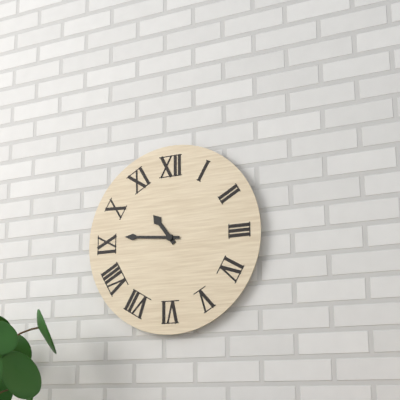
10:46
